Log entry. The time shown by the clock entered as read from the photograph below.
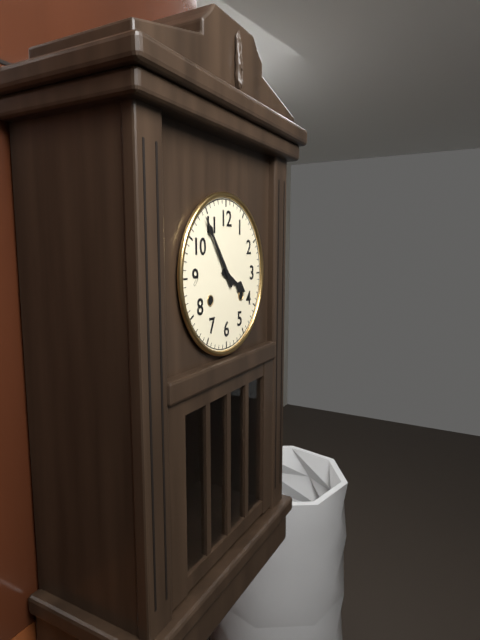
3:54
